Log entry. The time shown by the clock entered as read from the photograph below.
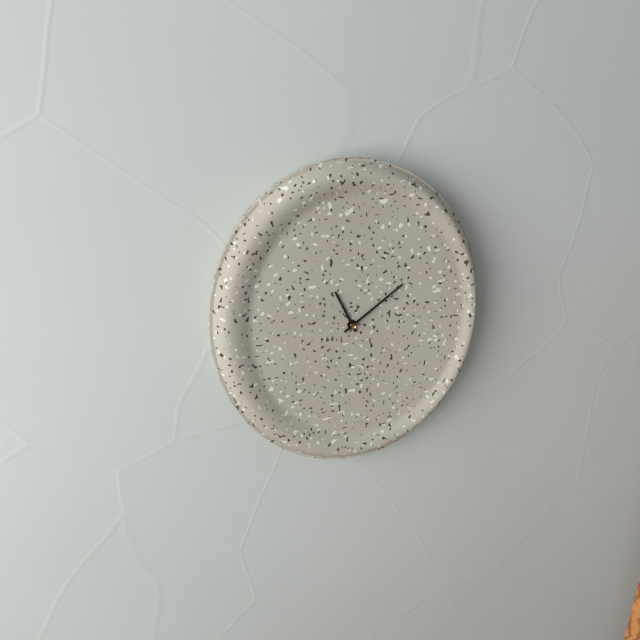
11:09
